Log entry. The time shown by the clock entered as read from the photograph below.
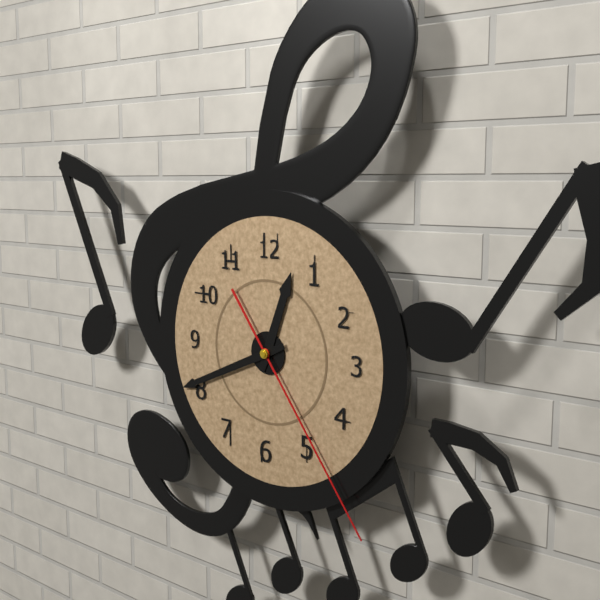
12:41:24
